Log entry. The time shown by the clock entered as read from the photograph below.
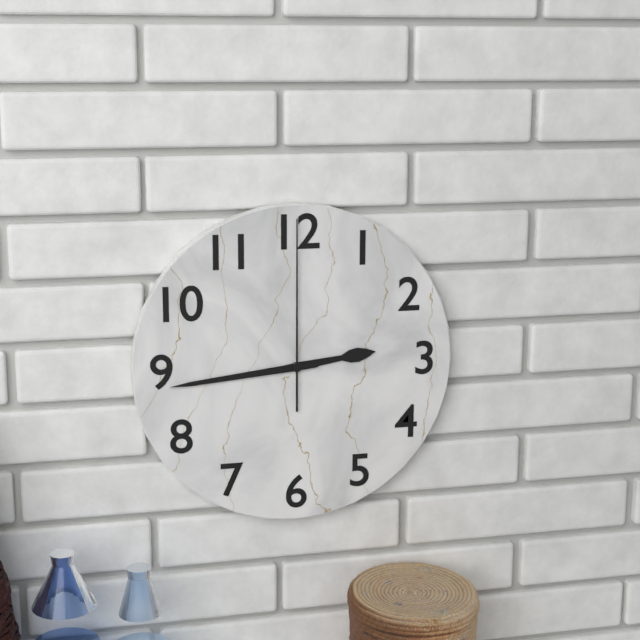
2:44:00
